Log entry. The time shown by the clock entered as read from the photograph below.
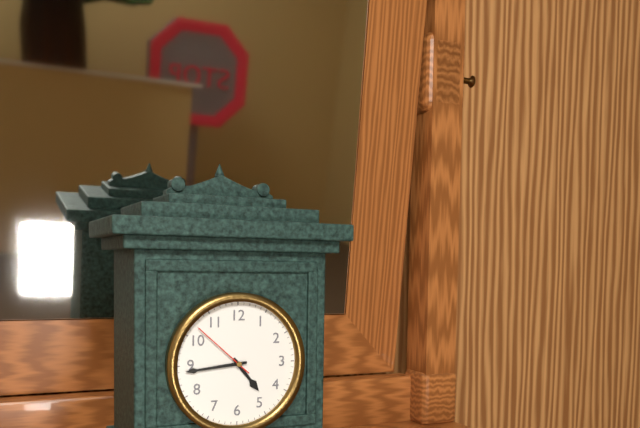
4:44:52
